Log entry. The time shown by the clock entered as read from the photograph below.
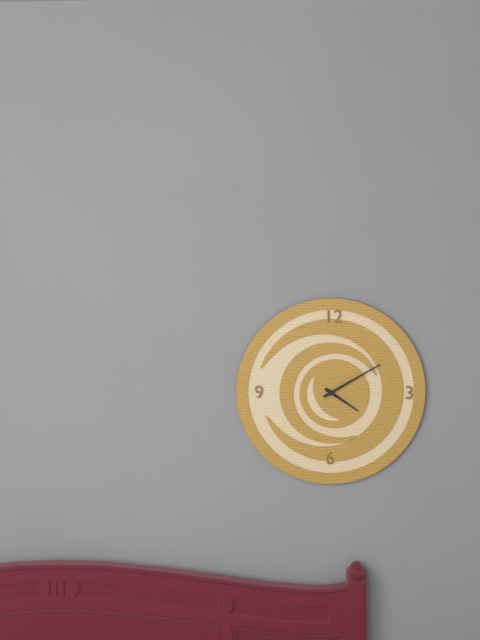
4:10
